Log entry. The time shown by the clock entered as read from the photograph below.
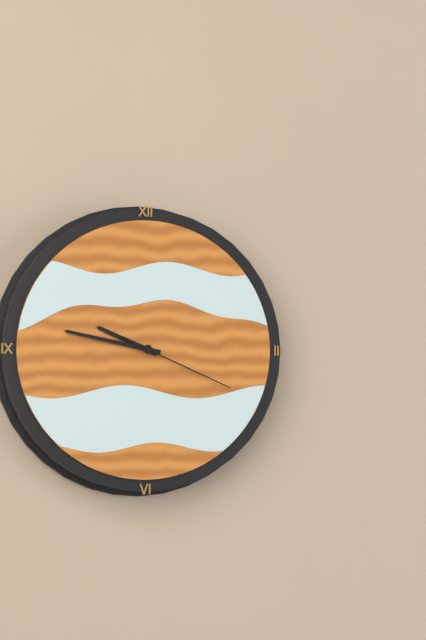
9:47:19
